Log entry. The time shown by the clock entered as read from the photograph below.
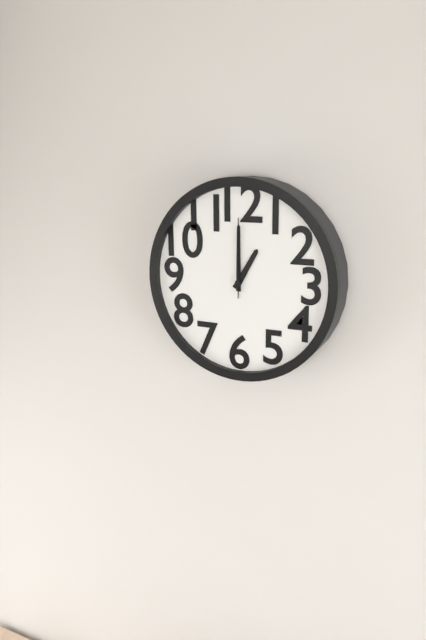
1:00:00
